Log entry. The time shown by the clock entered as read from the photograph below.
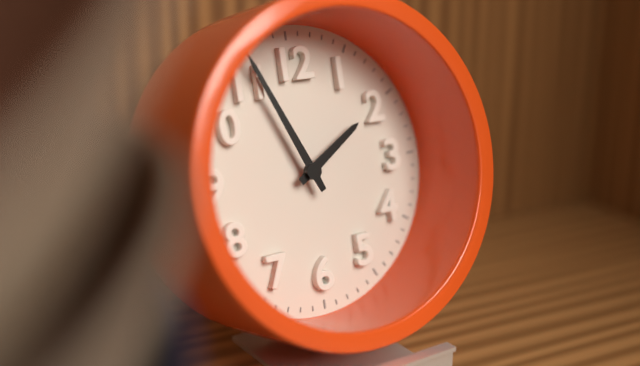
1:56
